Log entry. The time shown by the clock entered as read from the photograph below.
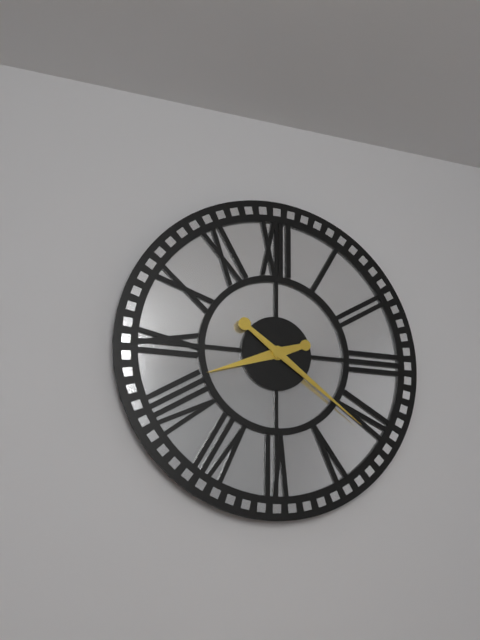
8:21
